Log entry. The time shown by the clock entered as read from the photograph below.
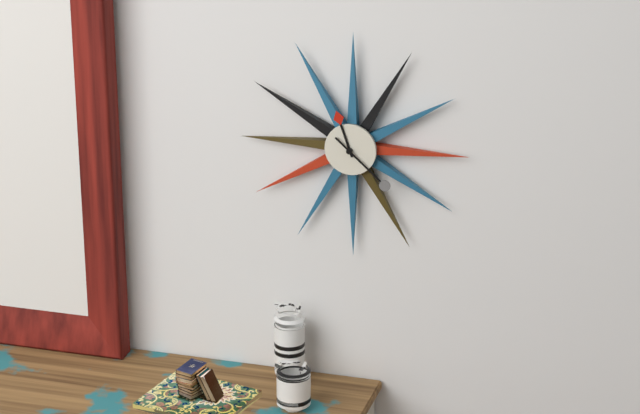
11:22
